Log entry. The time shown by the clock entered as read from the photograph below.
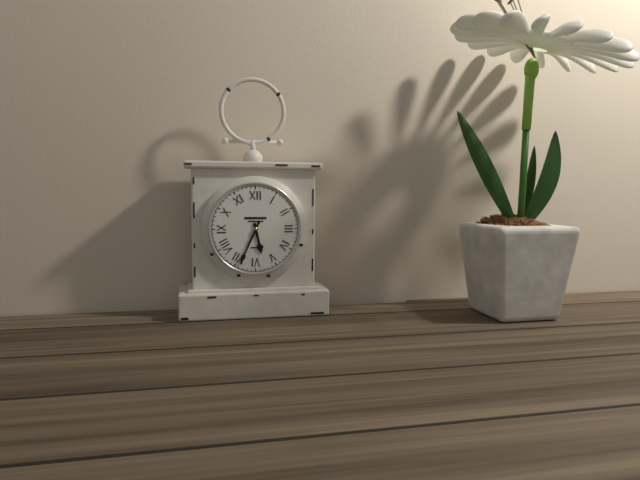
5:34
